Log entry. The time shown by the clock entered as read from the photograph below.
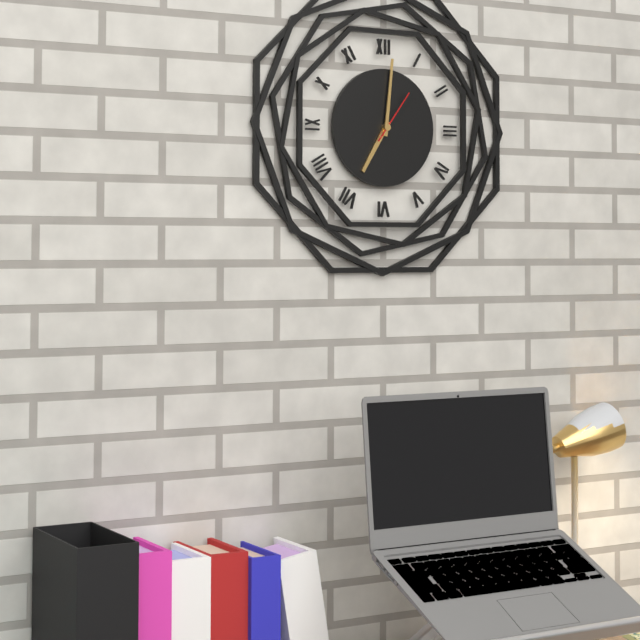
7:01:06
